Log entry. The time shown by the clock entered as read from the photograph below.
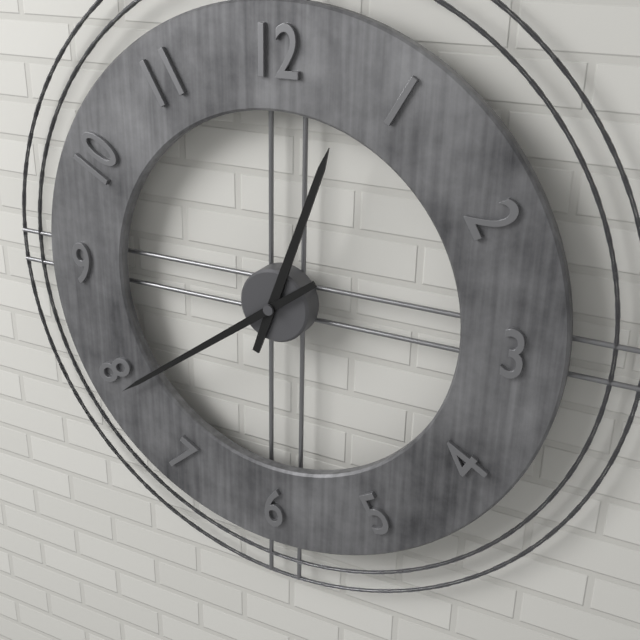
12:39
